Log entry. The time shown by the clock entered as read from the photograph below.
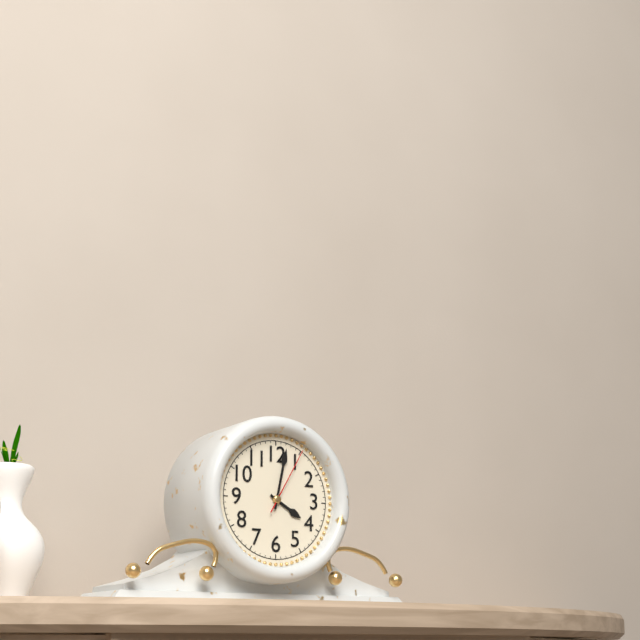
4:02:05
